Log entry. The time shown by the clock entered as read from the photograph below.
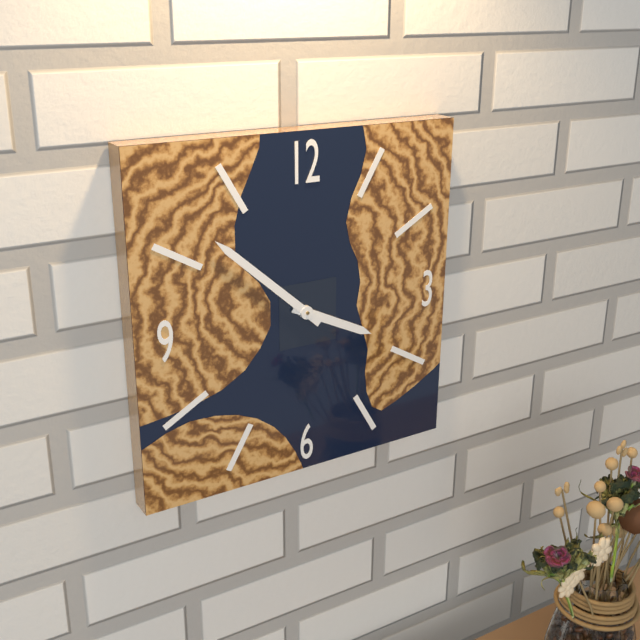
3:52
